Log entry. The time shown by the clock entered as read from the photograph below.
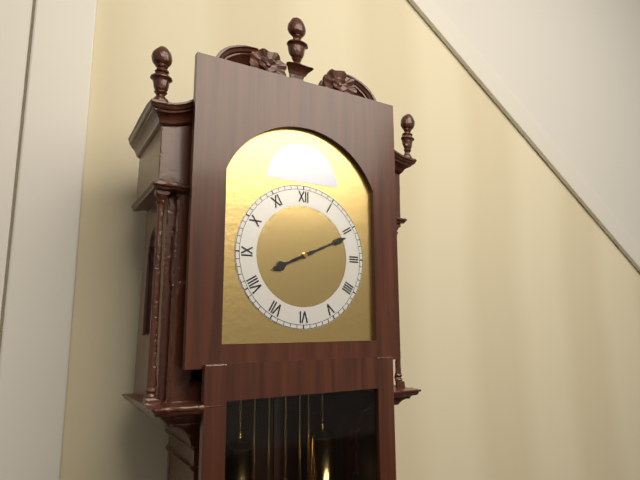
8:11
